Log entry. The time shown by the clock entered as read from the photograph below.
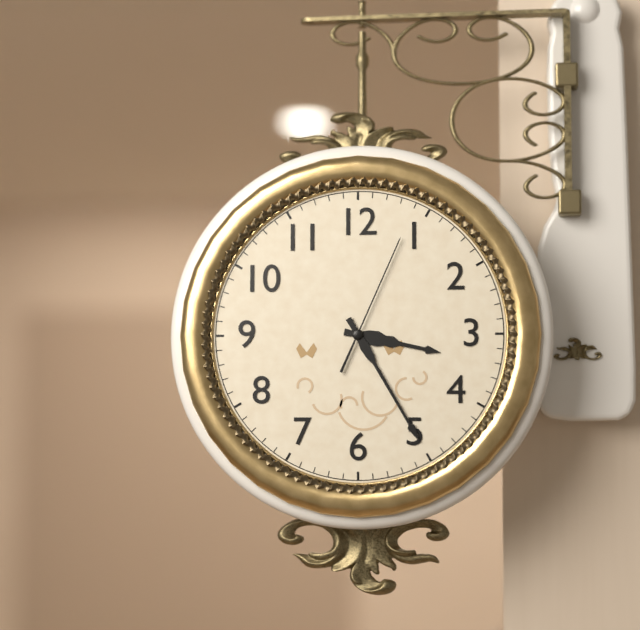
3:25:04
